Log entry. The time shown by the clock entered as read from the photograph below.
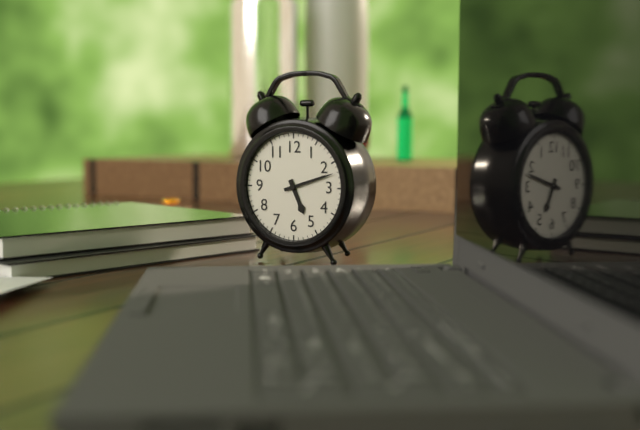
5:12
